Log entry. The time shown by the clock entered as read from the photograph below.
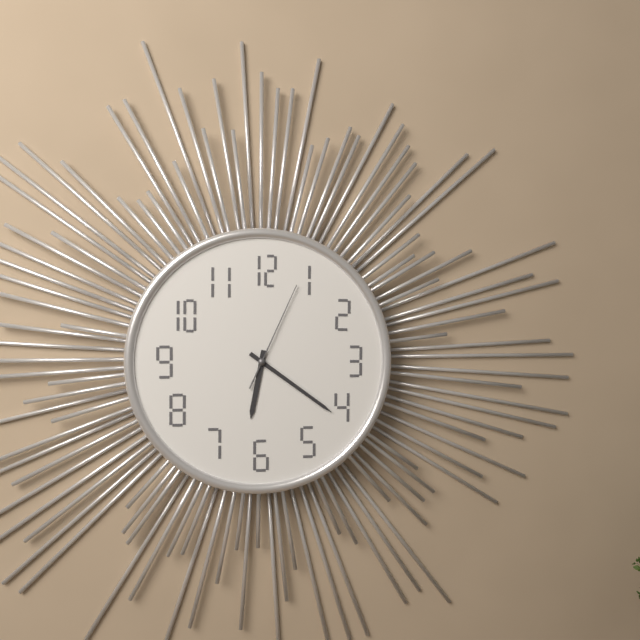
6:21:04
